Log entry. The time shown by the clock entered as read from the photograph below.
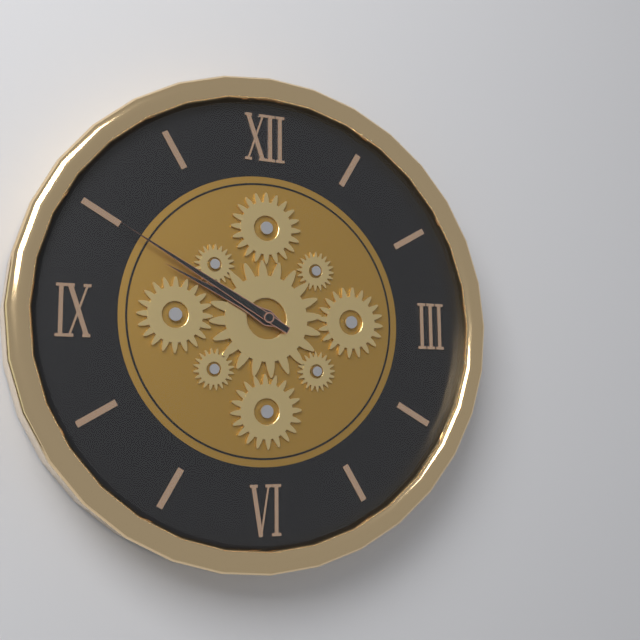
9:50
